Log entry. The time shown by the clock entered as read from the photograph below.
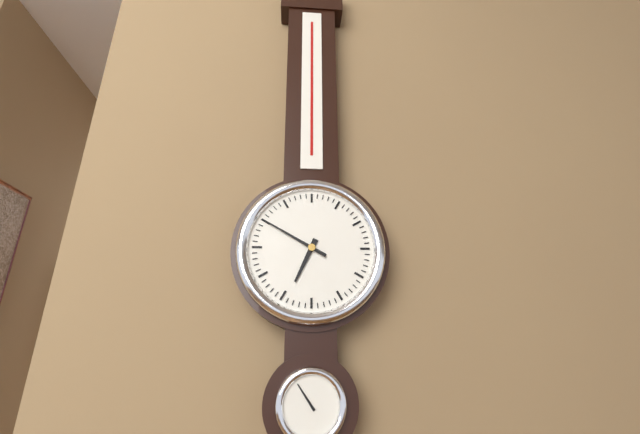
6:50
